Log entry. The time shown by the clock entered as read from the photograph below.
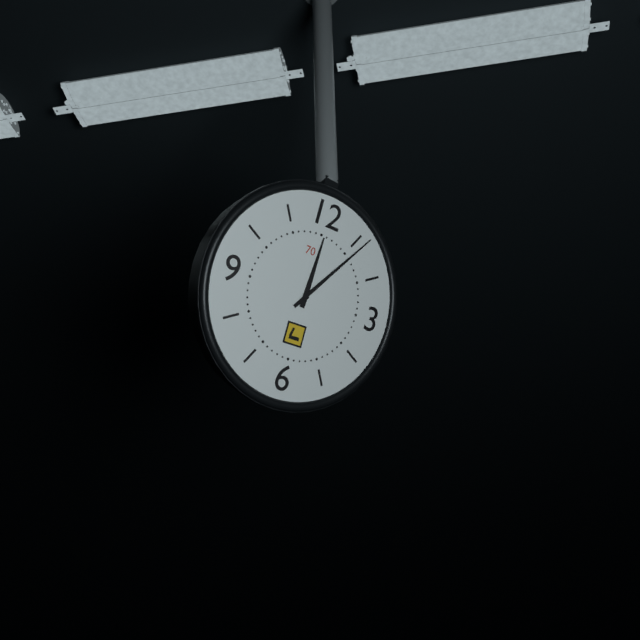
12:06
